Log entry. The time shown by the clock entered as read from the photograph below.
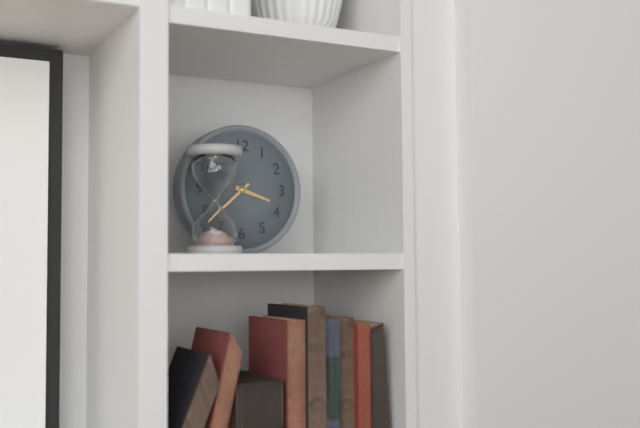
3:38
